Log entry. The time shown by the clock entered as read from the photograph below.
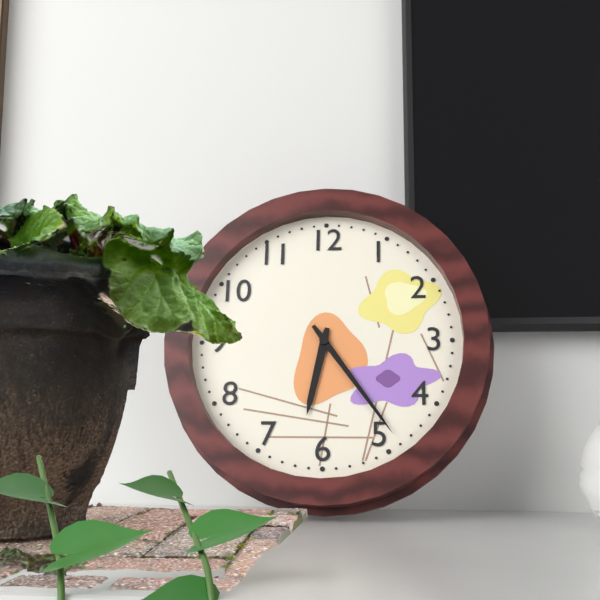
6:24
